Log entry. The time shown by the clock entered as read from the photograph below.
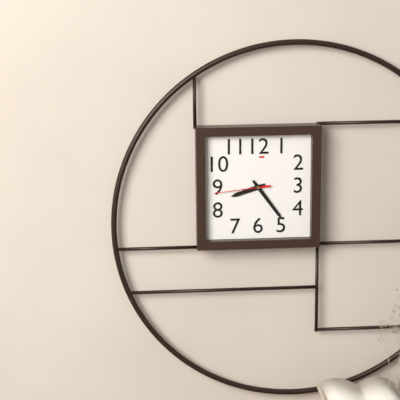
8:24:44
